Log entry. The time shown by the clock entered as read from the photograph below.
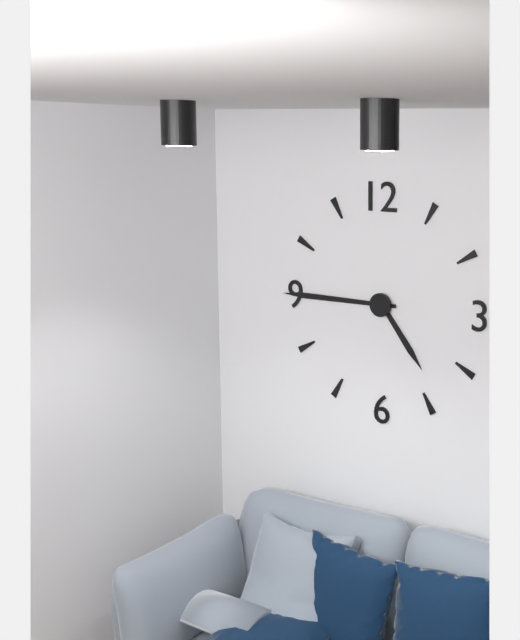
4:45
